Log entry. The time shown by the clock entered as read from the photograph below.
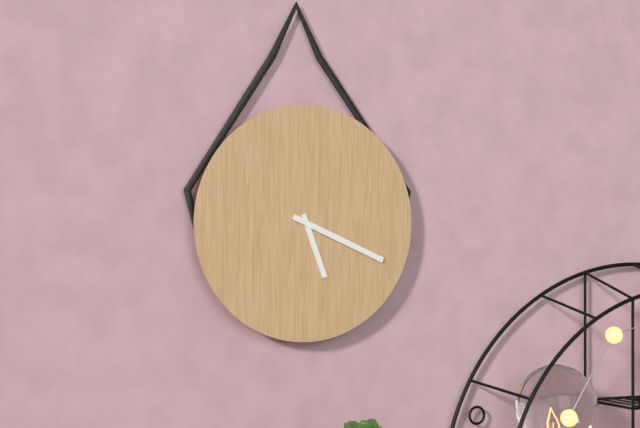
5:19
